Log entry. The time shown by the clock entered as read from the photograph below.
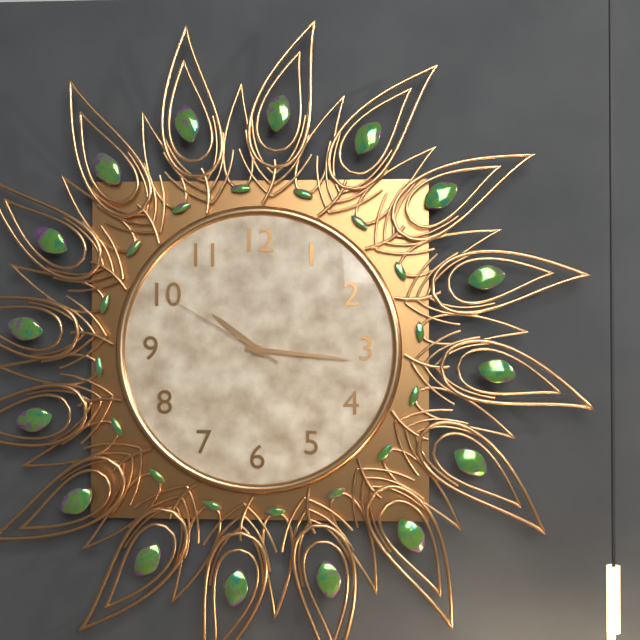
10:16:50
